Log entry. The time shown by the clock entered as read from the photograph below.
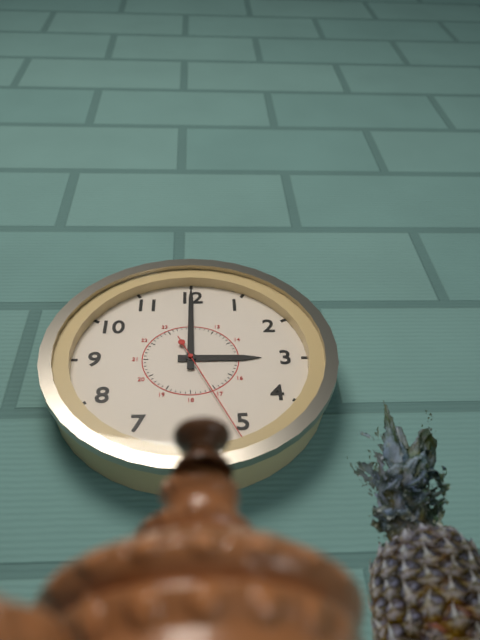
3:00:26
